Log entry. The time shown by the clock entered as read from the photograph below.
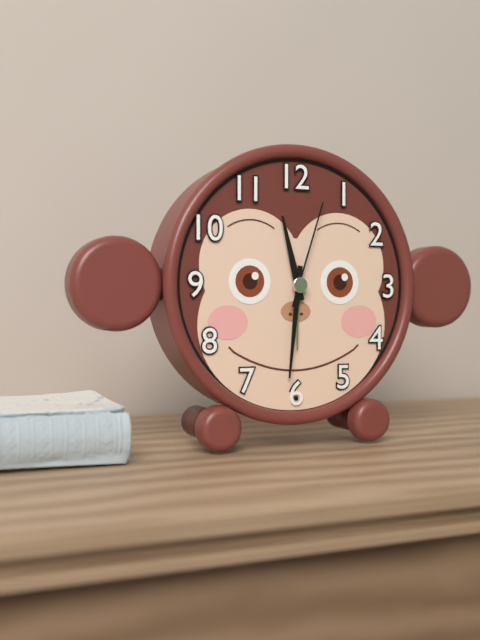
11:31:03
